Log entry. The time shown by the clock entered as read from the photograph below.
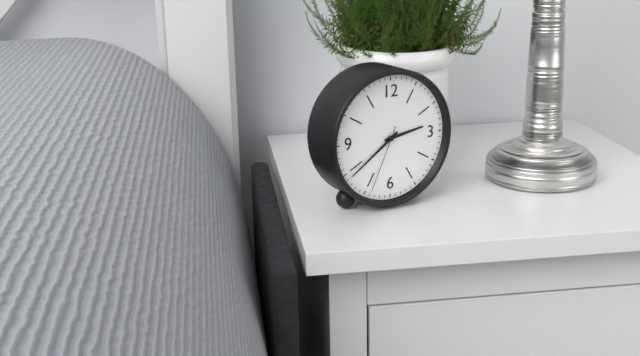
2:39:34
